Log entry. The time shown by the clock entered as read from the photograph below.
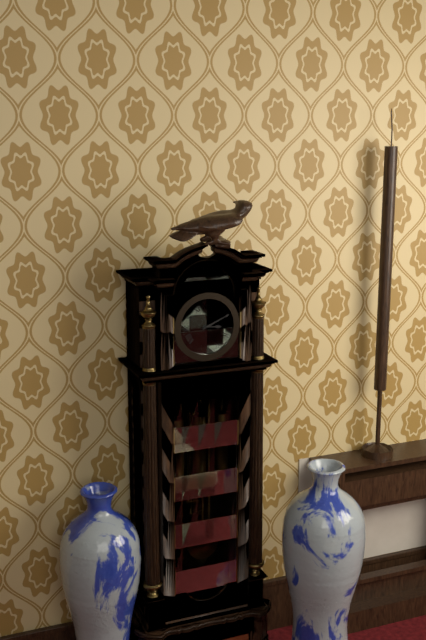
3:11
